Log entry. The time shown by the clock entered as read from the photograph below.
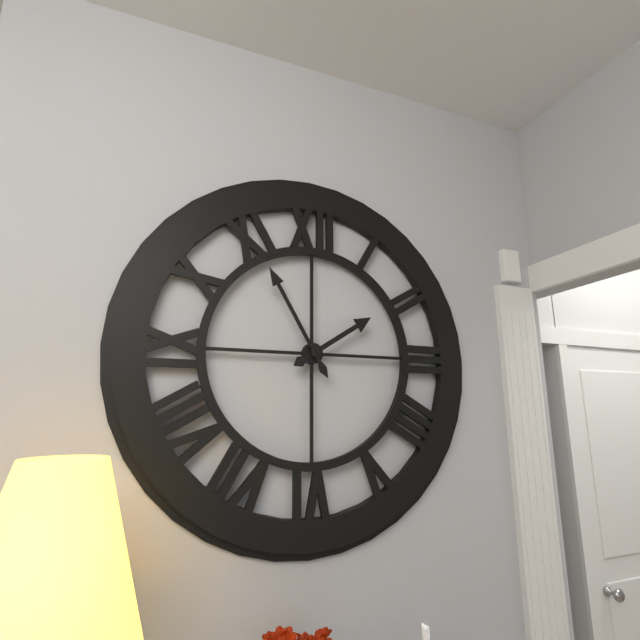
1:55
